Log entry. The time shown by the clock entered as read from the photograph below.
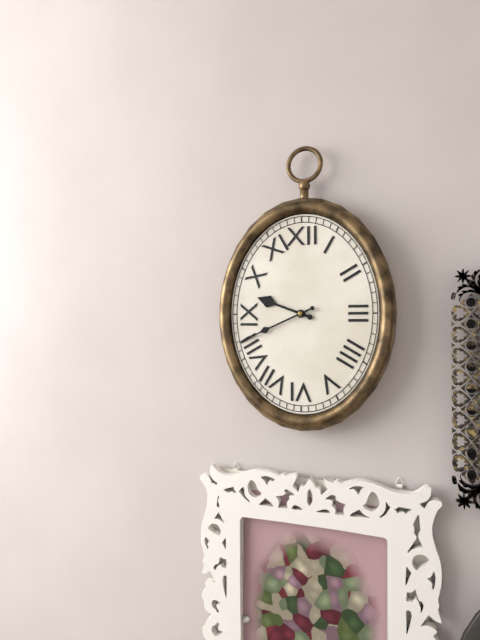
9:41
